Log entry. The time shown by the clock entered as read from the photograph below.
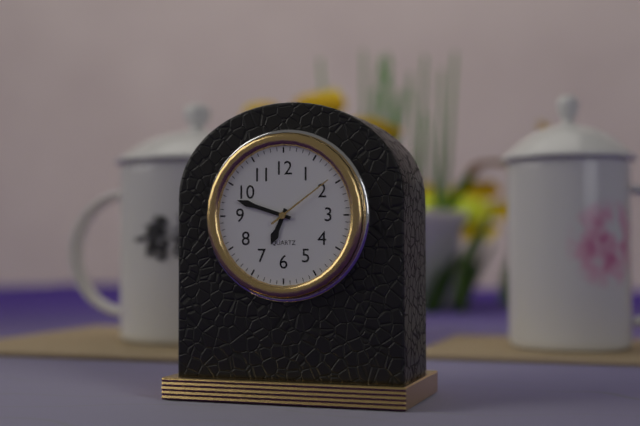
6:48:09
